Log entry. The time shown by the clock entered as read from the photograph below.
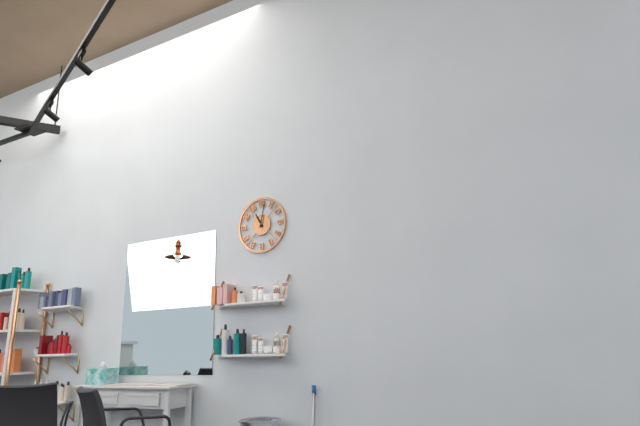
11:02
